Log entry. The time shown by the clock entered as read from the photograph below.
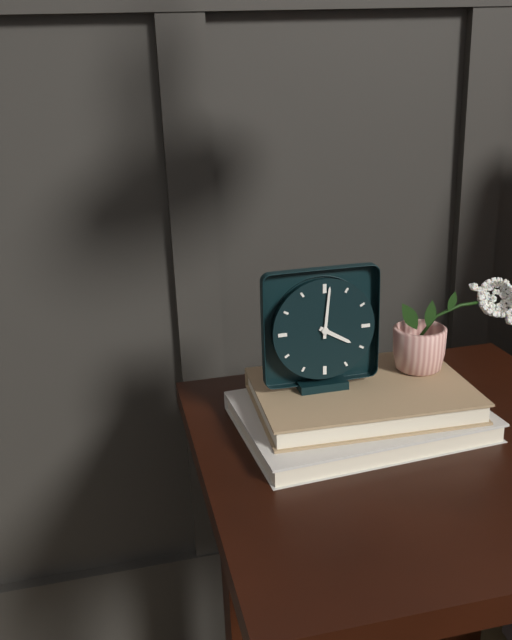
4:01
